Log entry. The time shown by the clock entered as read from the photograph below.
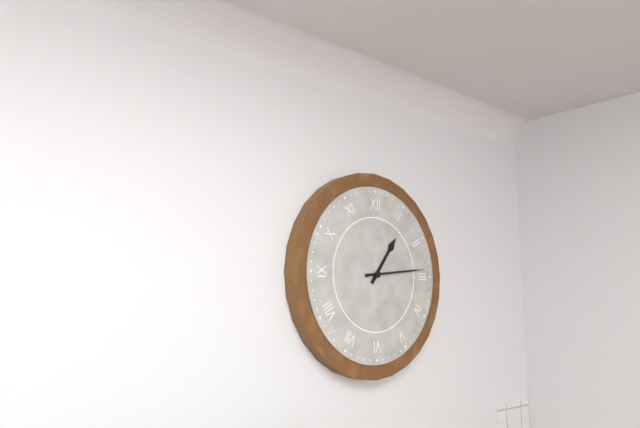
1:14
